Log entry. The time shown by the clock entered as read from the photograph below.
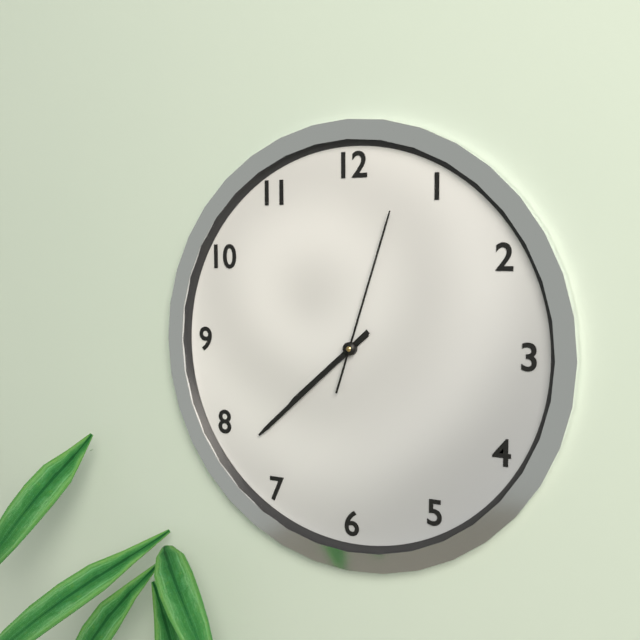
7:38:03
